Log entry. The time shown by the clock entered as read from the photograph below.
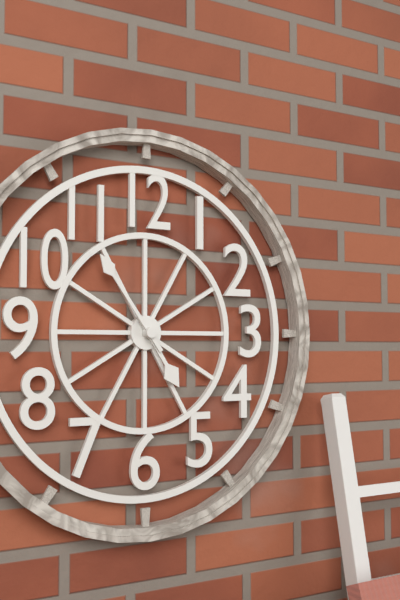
4:54
